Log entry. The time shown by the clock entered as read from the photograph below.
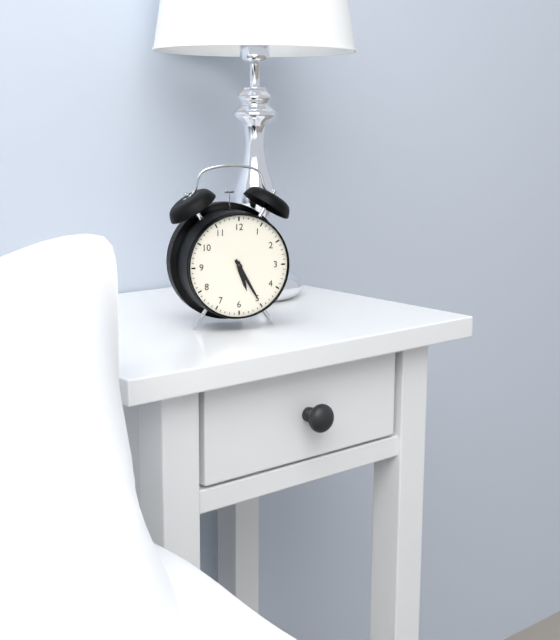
5:25
